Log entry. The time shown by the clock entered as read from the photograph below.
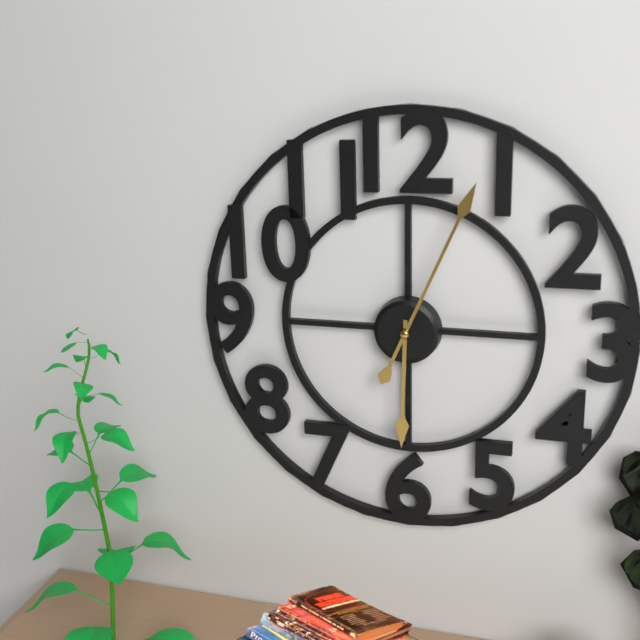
6:04
